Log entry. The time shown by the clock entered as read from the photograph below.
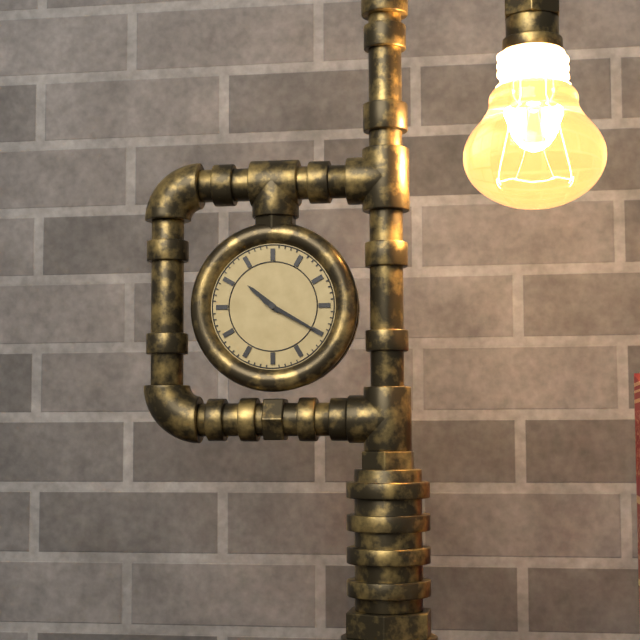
10:20
